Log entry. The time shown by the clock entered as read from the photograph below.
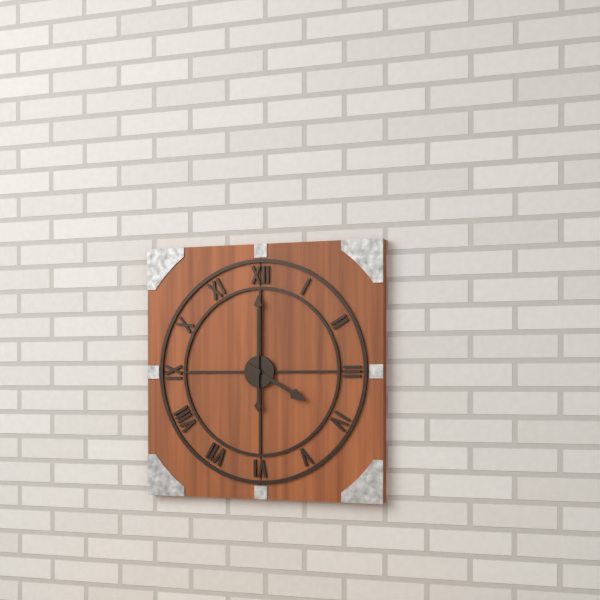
4:00
